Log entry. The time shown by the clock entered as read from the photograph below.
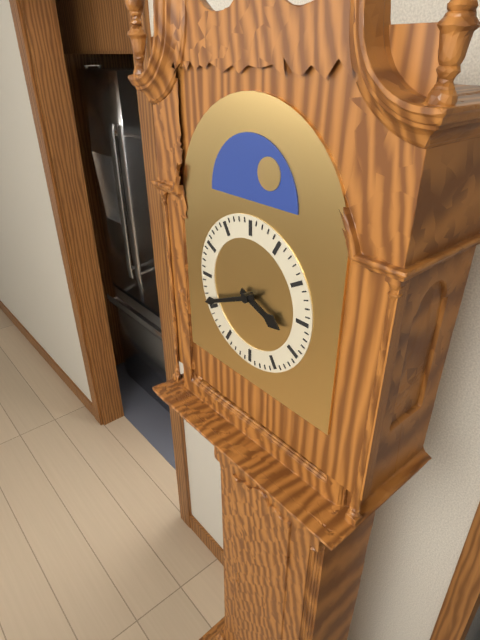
3:41
